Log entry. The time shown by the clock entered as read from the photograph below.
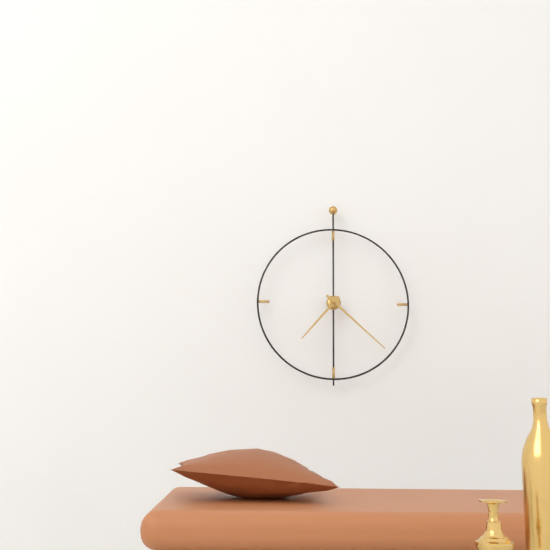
7:22
